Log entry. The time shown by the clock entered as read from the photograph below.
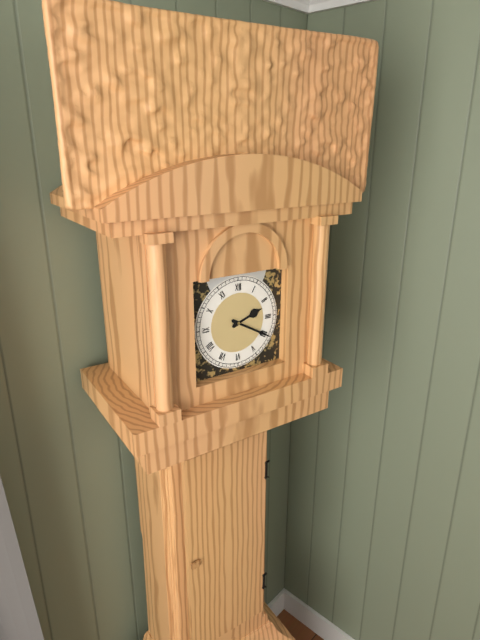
2:20
